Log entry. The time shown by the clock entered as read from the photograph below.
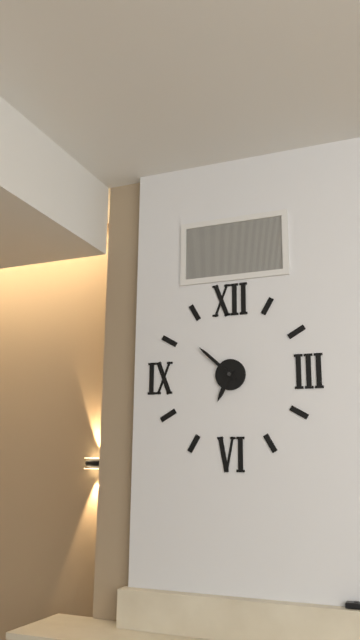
6:52
